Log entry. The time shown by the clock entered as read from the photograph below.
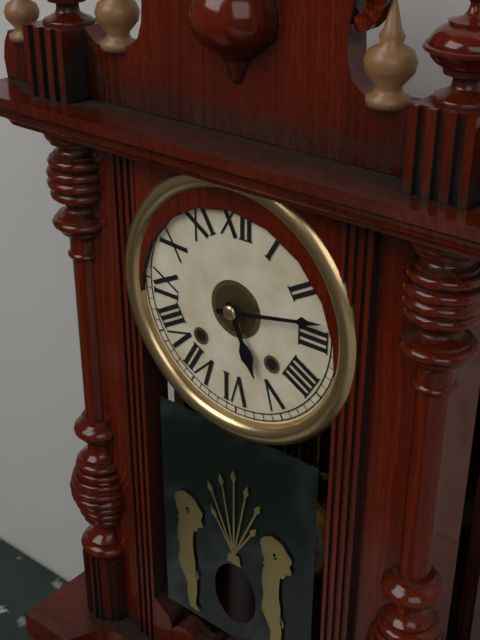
5:13
